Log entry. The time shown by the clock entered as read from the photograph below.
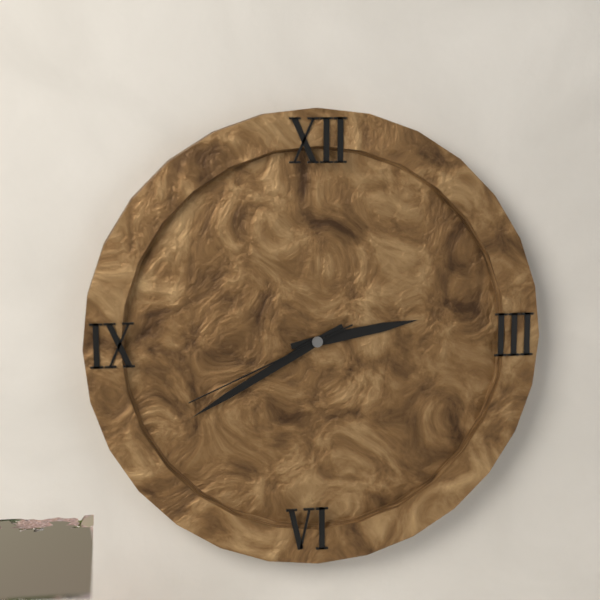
2:40:41
